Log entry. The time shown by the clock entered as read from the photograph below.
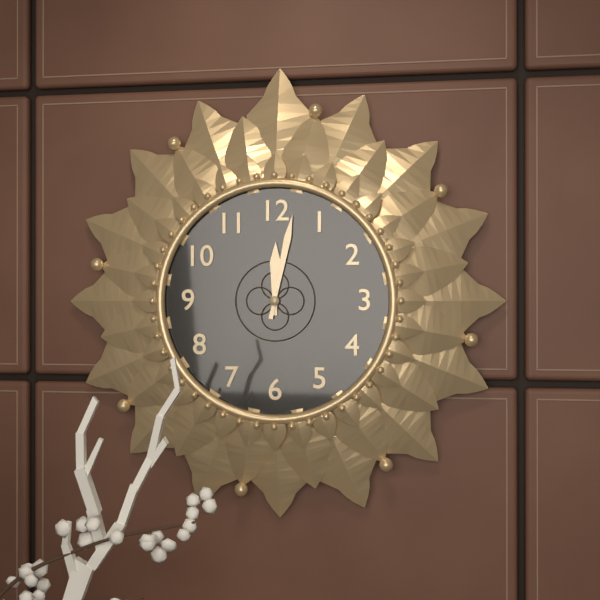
12:02
